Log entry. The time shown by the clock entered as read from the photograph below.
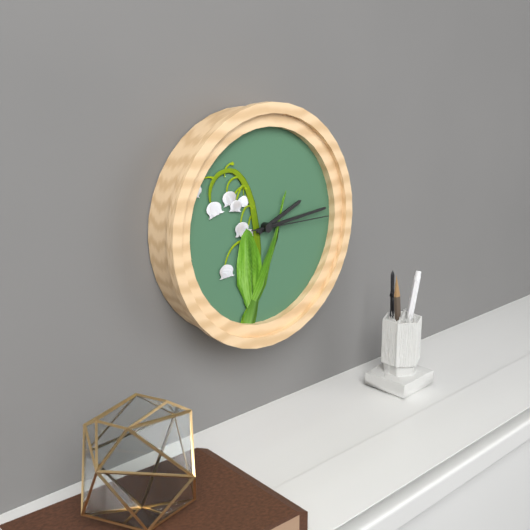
2:14:15
